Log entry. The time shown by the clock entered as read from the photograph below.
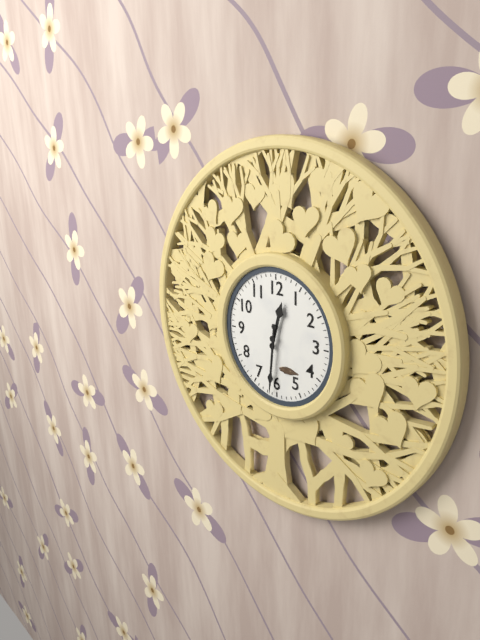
12:31
